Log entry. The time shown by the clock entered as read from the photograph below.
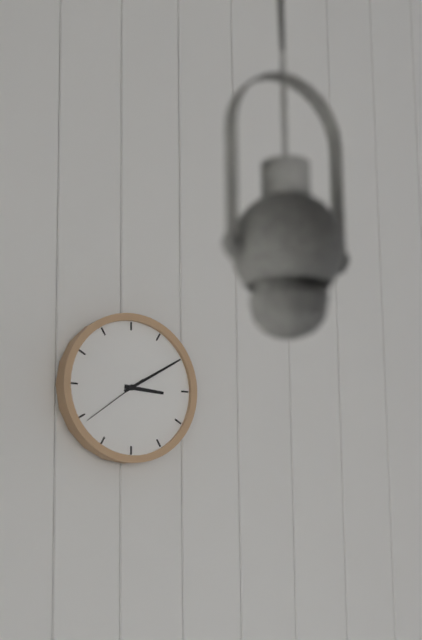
3:10:39
